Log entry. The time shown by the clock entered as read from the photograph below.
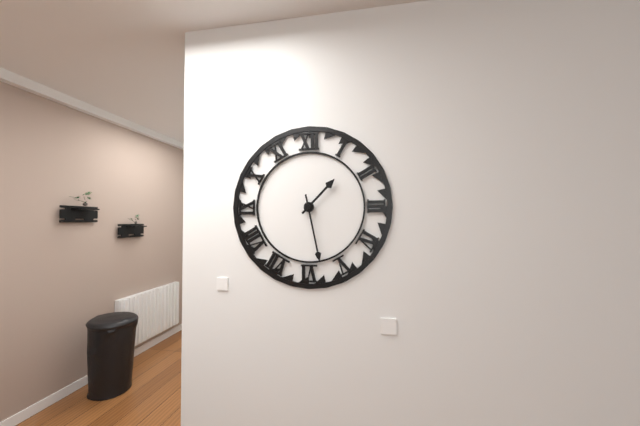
1:28
